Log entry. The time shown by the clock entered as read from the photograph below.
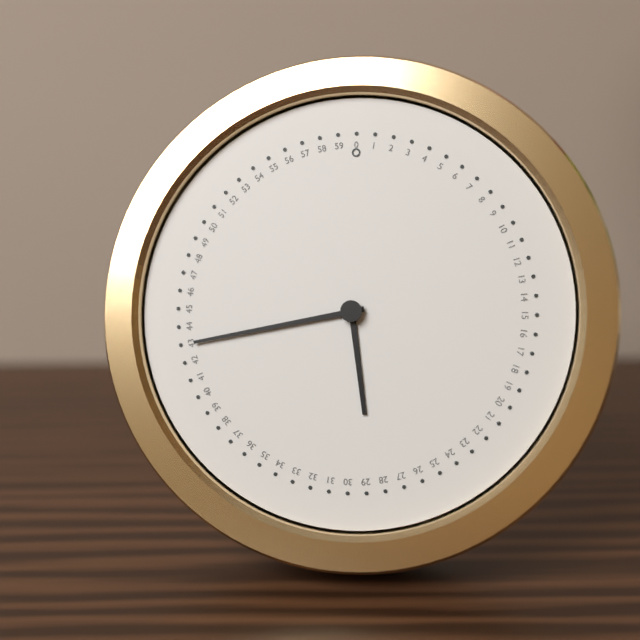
5:43
